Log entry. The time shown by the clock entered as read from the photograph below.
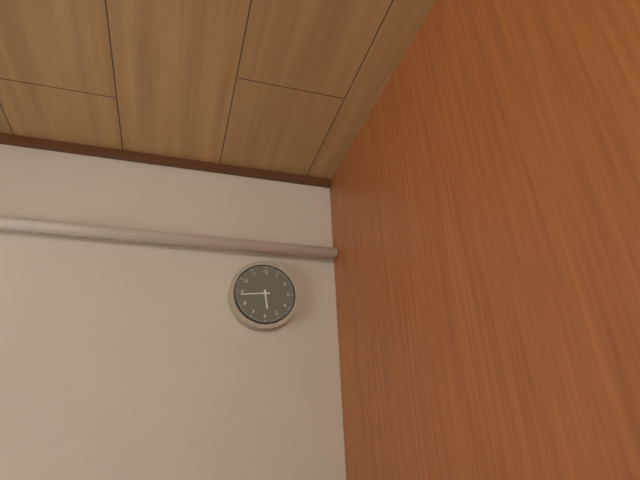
5:44
